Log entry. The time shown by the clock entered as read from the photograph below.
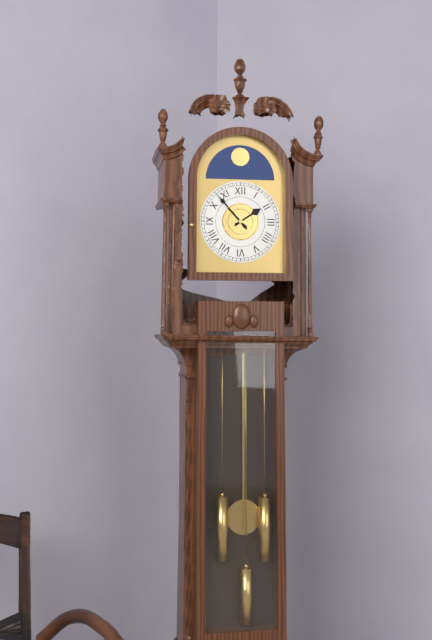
1:53
